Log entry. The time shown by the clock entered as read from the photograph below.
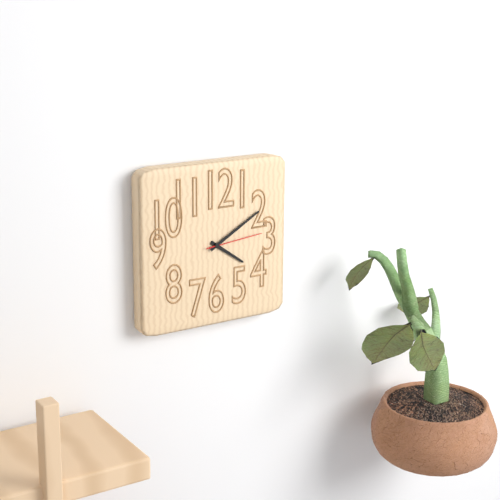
4:10:14
